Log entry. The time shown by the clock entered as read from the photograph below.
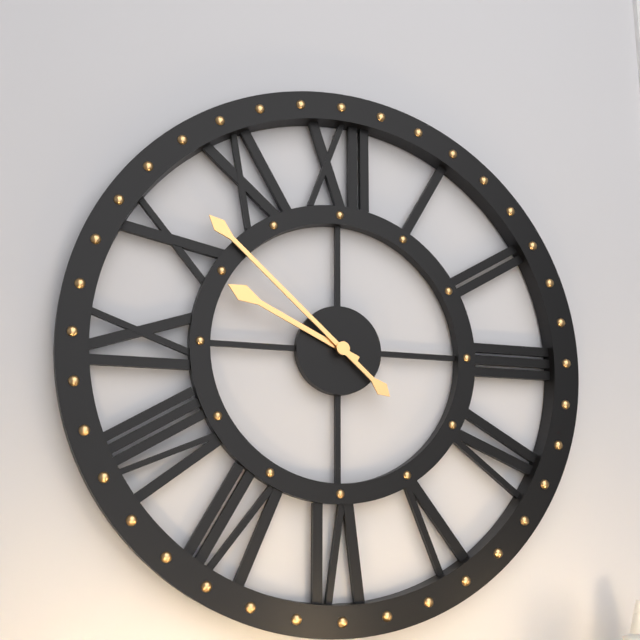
9:52
